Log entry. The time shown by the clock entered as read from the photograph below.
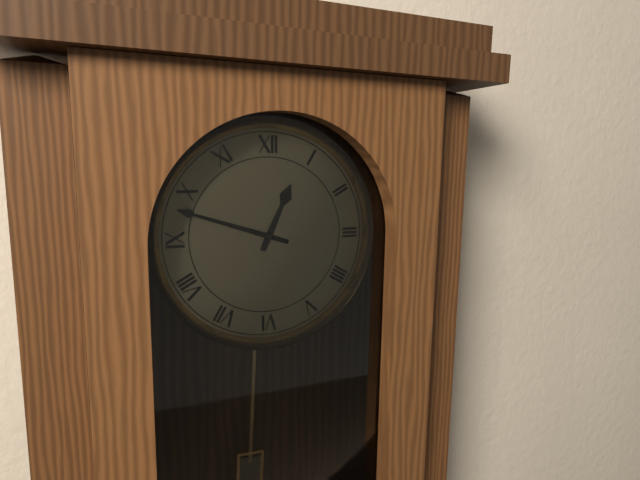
12:48
